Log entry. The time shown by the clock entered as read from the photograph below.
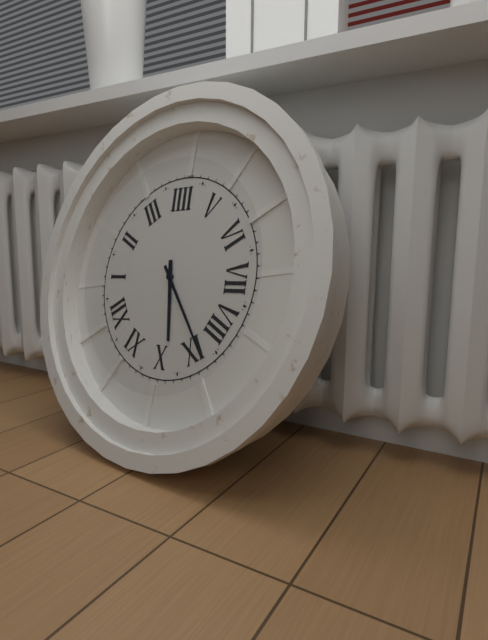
9:44
